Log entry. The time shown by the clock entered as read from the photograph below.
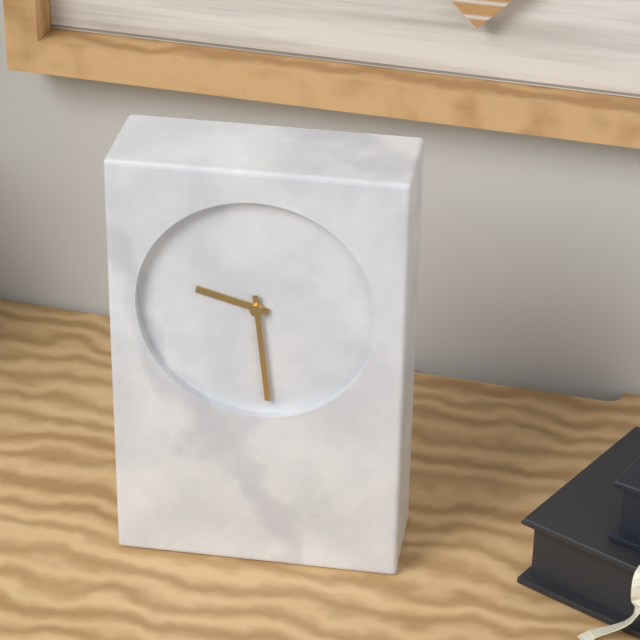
9:29
